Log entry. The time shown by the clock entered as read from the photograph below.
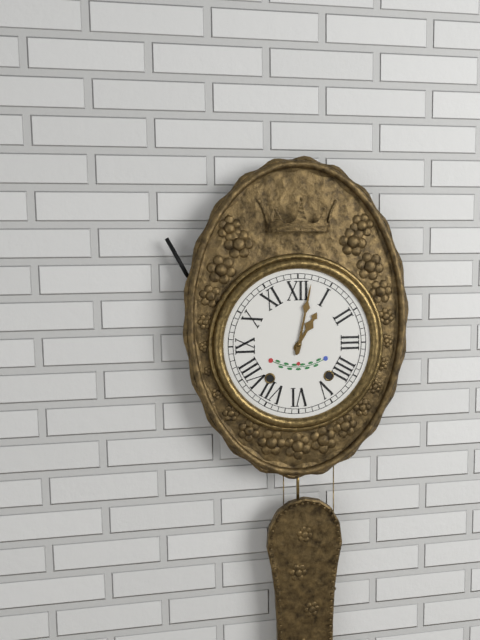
1:02
